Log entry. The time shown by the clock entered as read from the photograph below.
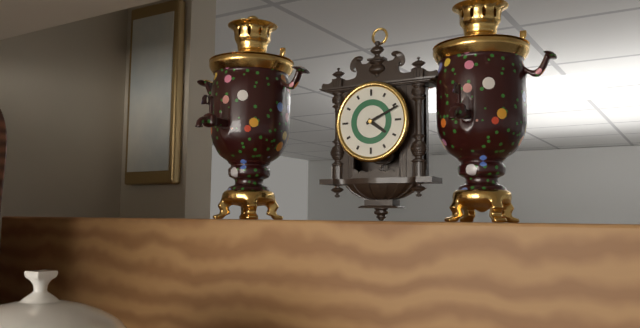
4:11
